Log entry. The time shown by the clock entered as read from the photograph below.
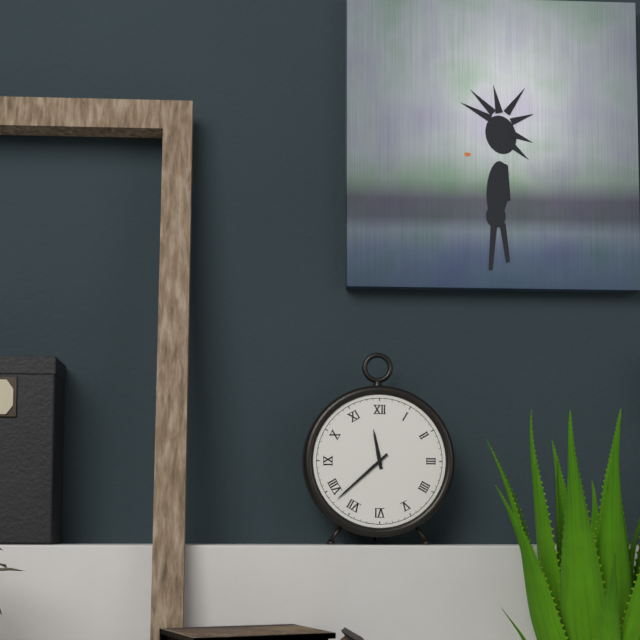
11:38
